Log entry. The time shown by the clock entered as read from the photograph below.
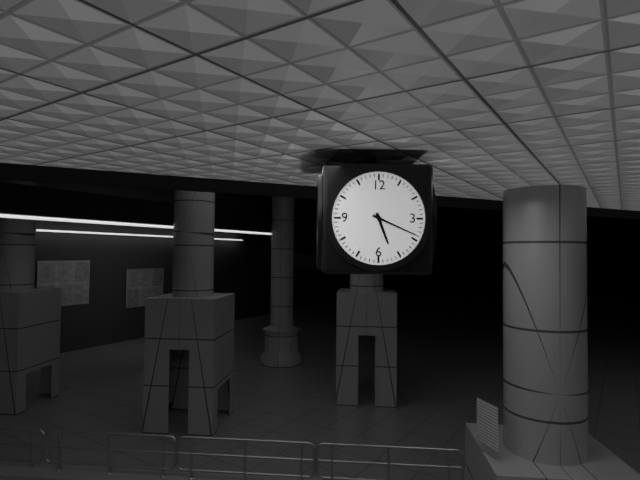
5:19
